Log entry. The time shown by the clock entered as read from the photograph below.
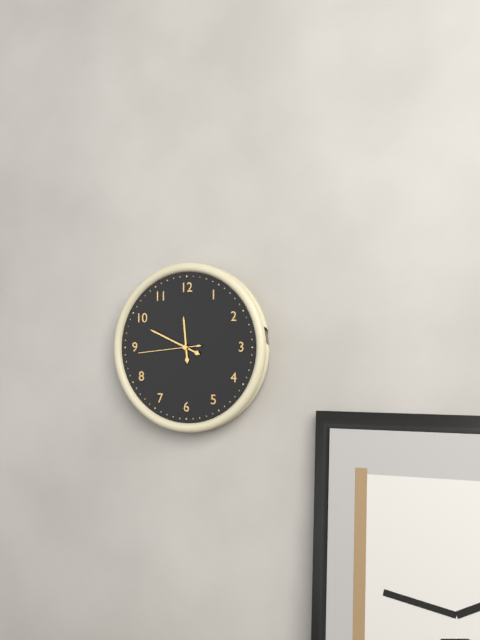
11:49:44
